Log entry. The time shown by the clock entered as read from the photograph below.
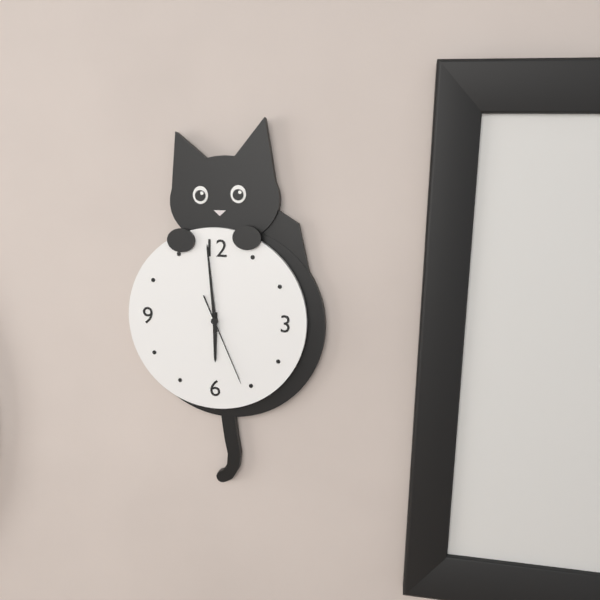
5:59:26
